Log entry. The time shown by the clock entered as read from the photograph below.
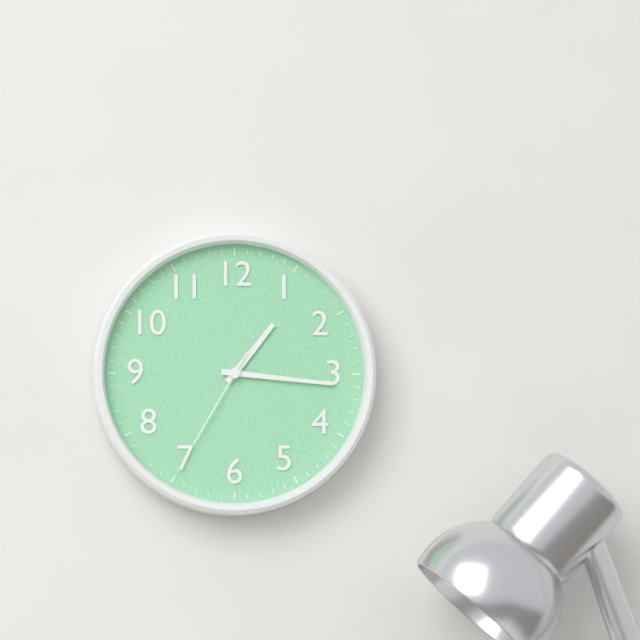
1:16:35
